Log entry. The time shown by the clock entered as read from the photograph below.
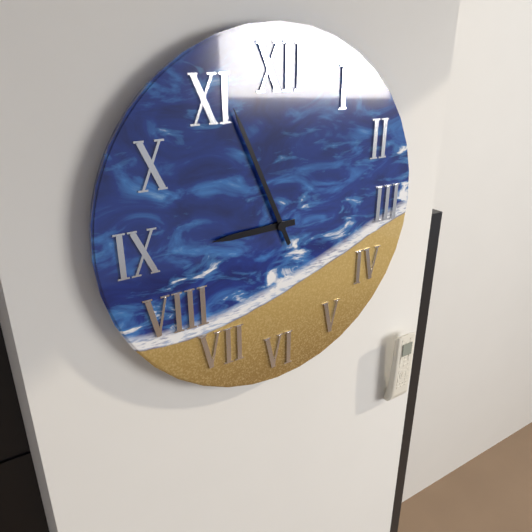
8:56
